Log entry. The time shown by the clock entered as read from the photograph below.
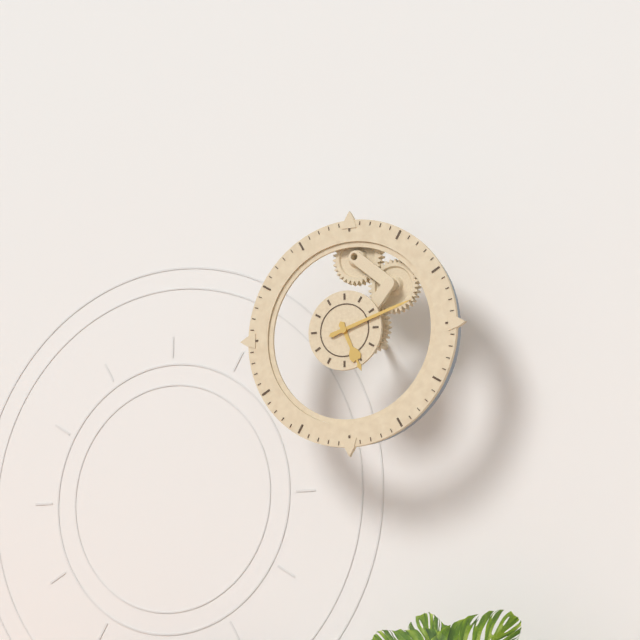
5:12
